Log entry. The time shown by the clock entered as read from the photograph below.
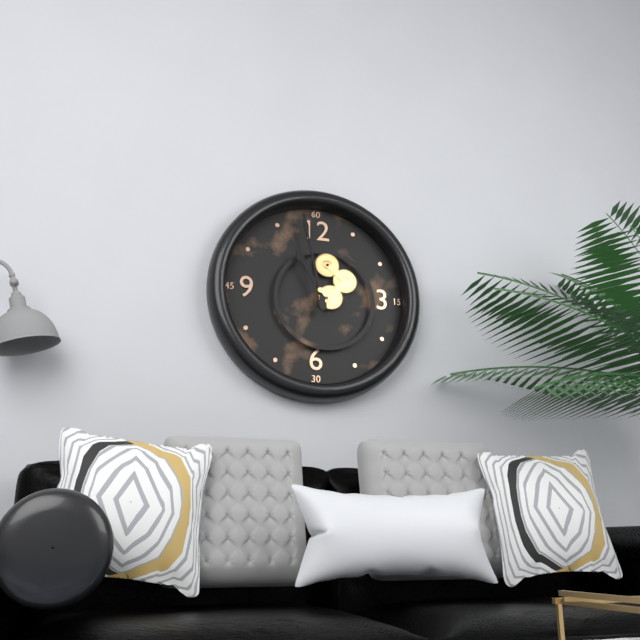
10:58
